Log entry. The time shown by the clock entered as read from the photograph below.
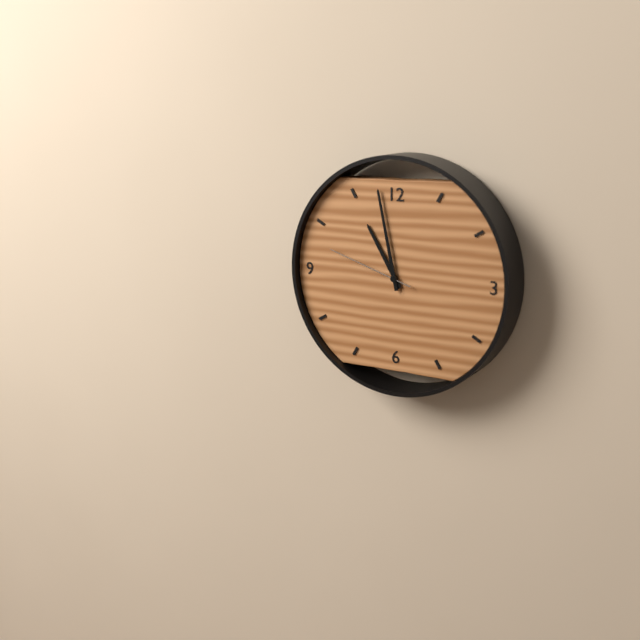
10:58:48
